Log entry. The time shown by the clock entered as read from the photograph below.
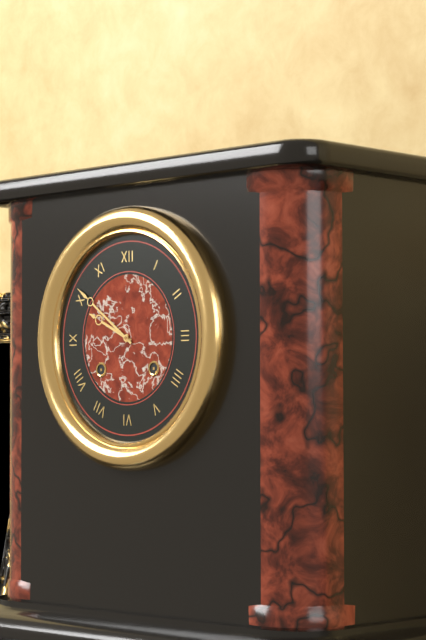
9:51
